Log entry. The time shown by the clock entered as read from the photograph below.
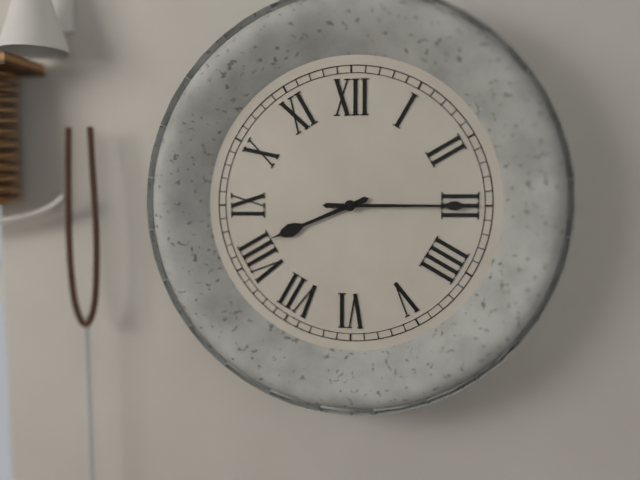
8:15
